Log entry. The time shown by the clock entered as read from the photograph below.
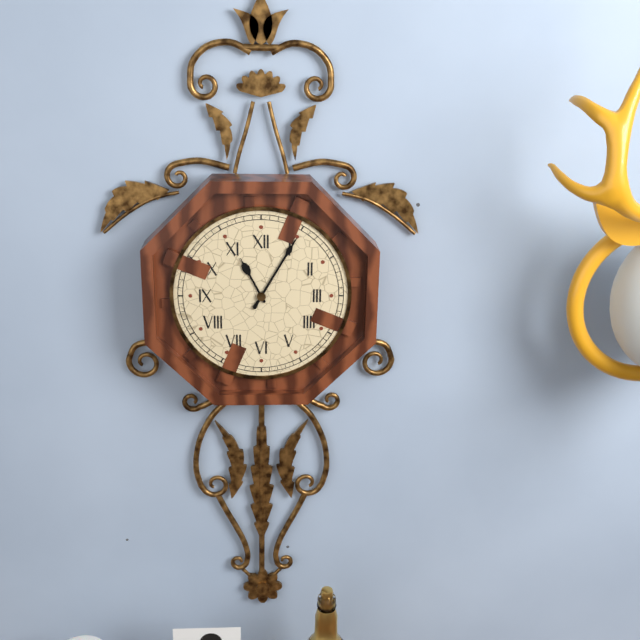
11:05
